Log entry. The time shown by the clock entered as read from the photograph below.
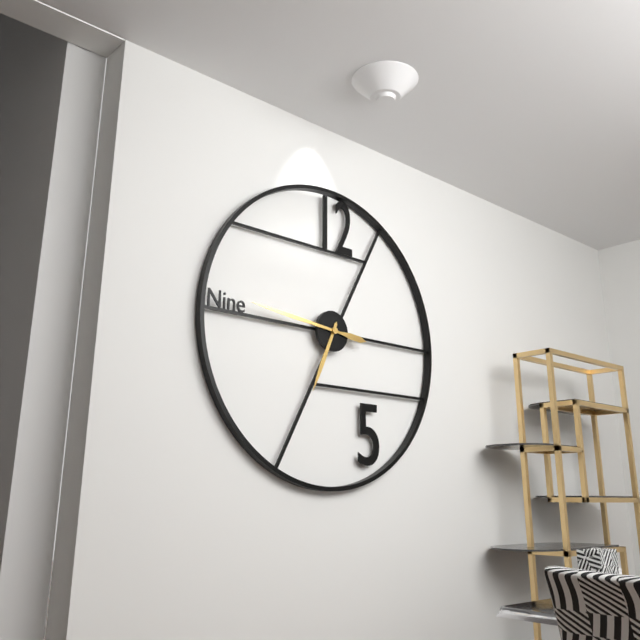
6:46
